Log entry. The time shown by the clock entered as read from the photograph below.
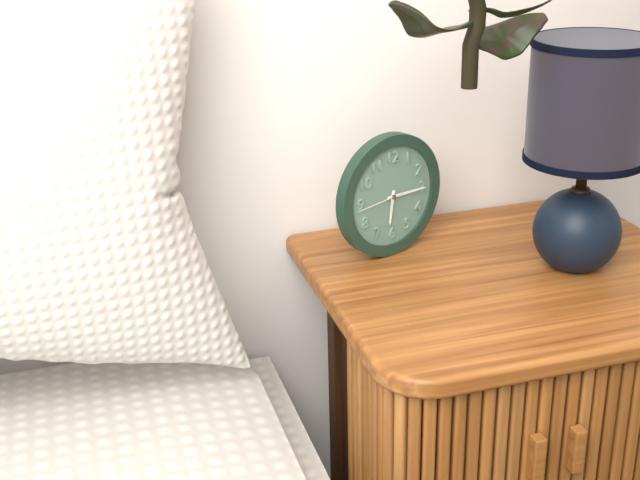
6:15
